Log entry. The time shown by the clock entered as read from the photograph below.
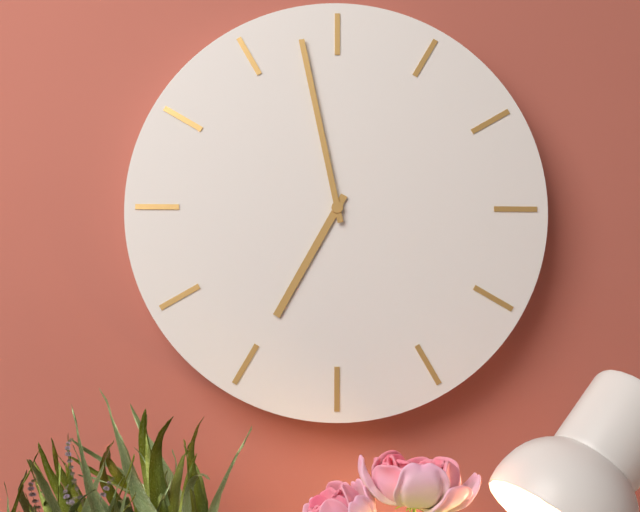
6:58
